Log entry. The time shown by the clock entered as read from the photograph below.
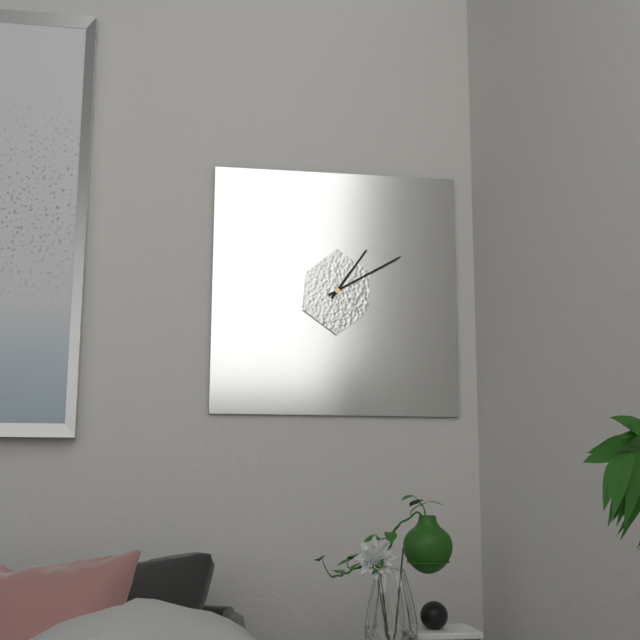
1:10
